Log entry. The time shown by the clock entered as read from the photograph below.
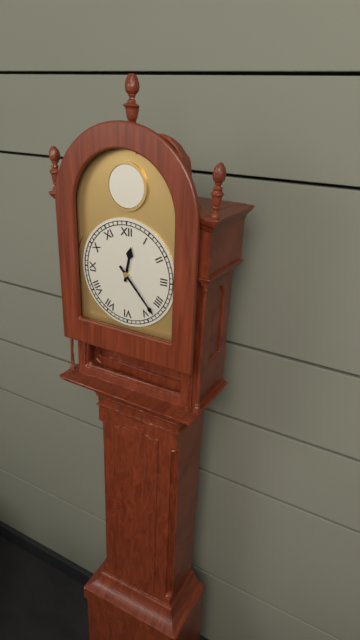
12:23
